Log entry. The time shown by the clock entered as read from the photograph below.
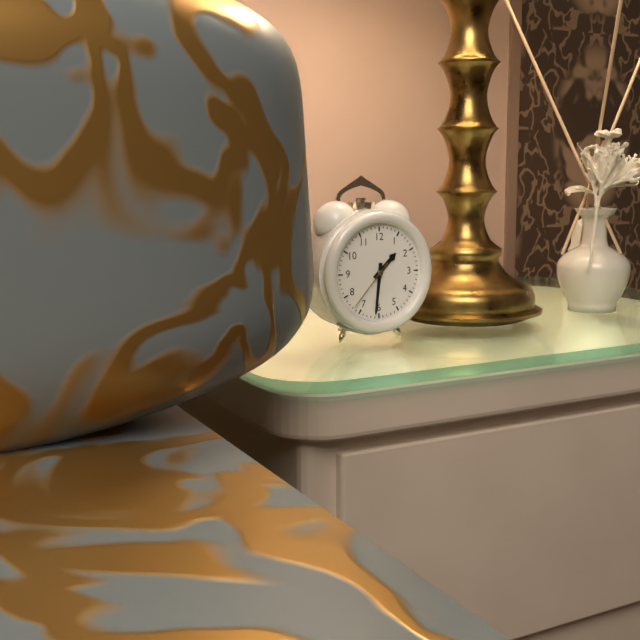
1:31:37
